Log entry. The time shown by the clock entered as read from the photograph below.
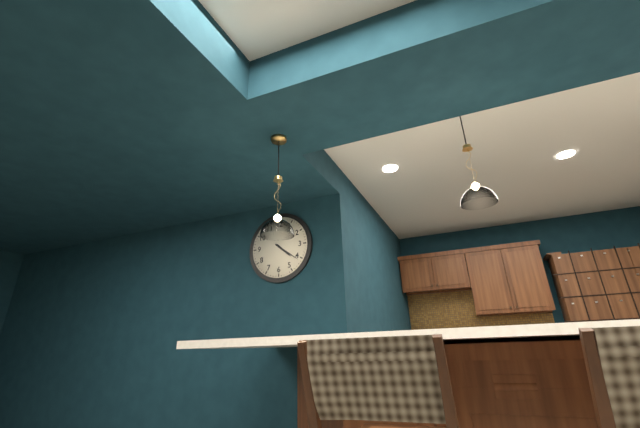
4:21
